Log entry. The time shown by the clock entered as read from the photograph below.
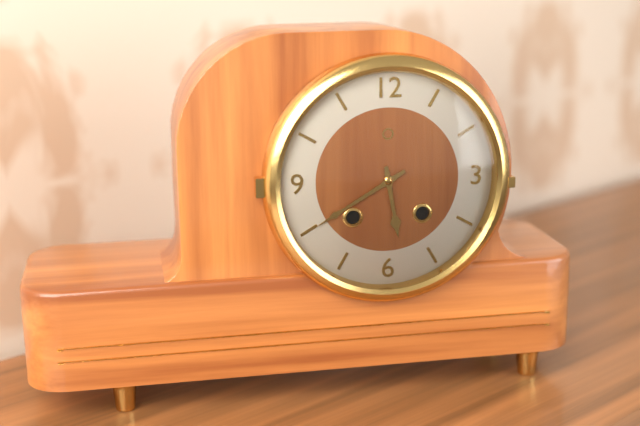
5:40
